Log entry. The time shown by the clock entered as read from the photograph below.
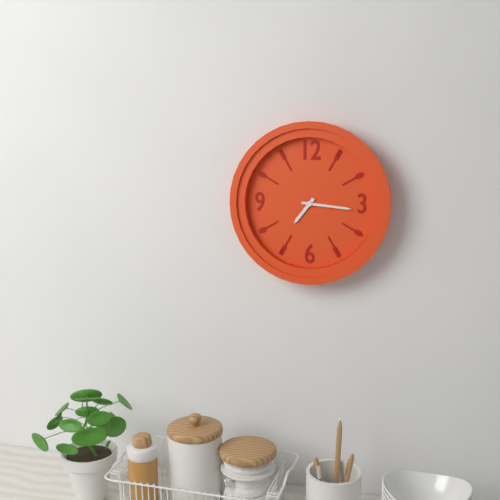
7:16
